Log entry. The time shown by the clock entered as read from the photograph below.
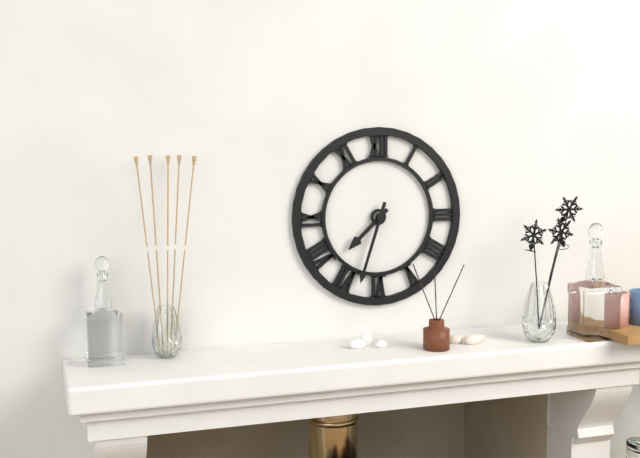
7:33
